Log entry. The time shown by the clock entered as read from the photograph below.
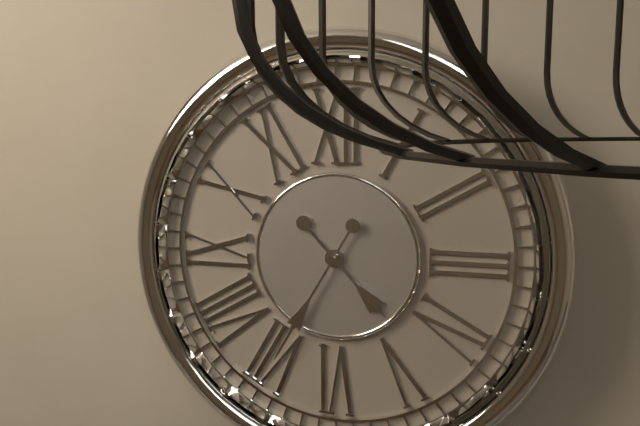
4:35
